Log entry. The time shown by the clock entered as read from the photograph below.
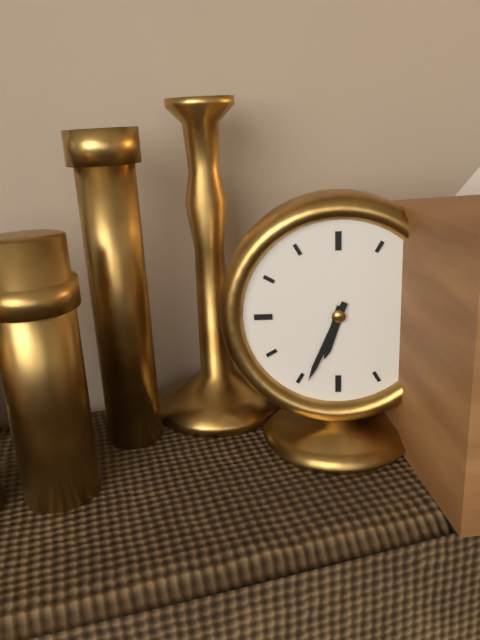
6:34
